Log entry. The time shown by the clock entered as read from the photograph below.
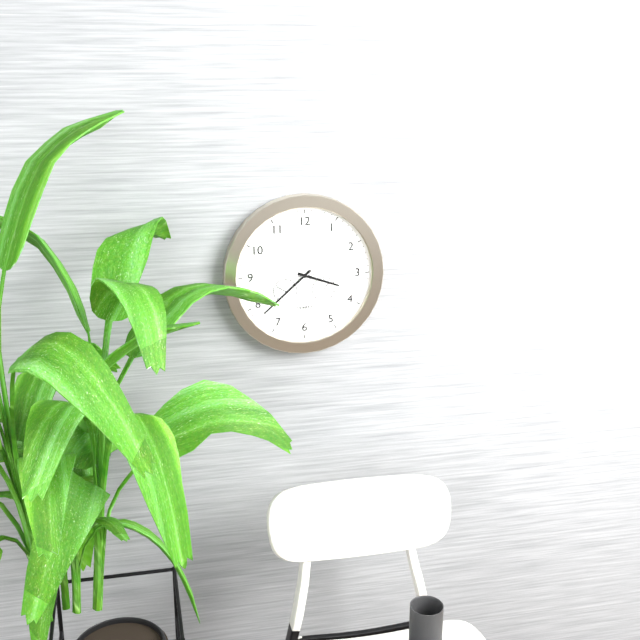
3:38:14
